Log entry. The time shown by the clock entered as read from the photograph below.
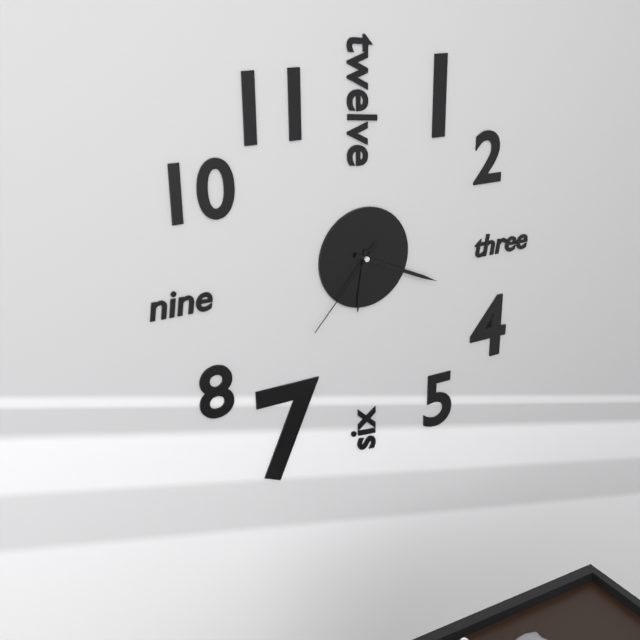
6:19:37
